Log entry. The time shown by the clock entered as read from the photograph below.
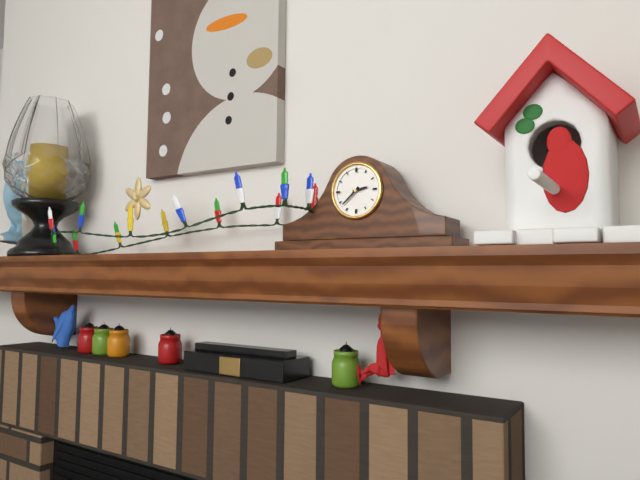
2:38
